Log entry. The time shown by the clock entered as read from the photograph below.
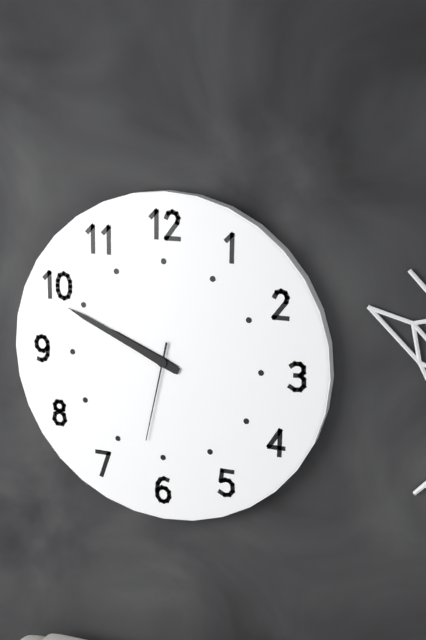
9:49:32
